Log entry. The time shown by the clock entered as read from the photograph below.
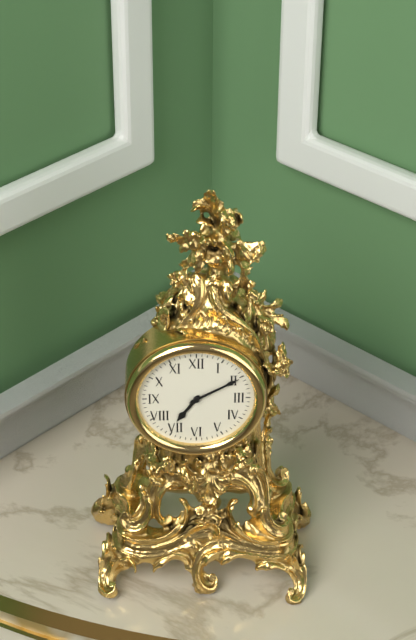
7:10
